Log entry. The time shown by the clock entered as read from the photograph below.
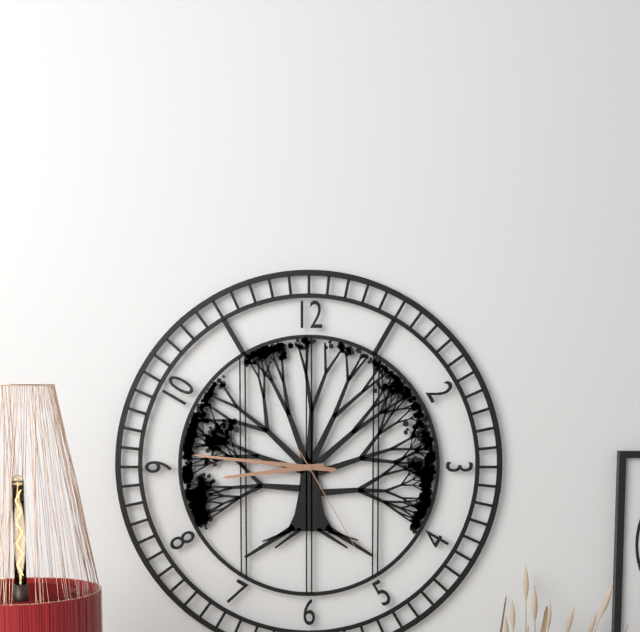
8:46:25
